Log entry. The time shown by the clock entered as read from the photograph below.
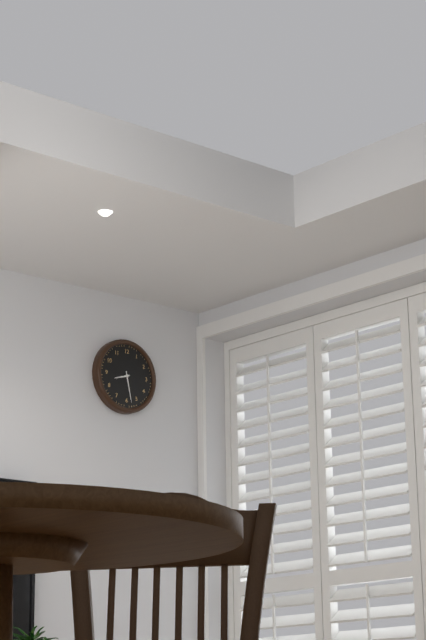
8:28
